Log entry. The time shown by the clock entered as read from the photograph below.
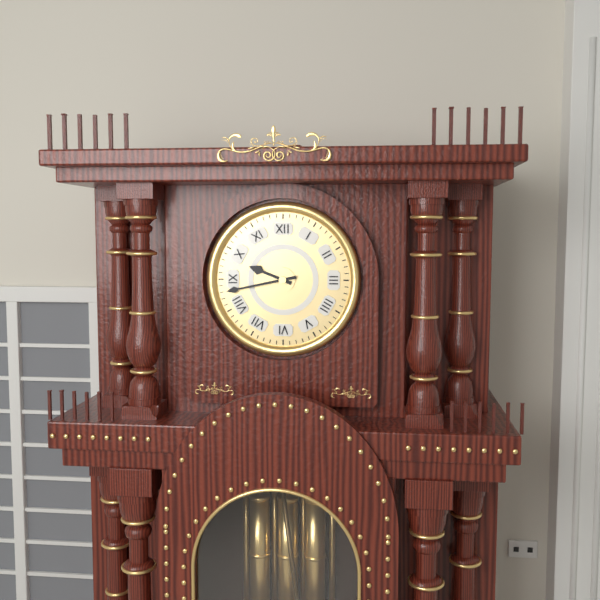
9:43
